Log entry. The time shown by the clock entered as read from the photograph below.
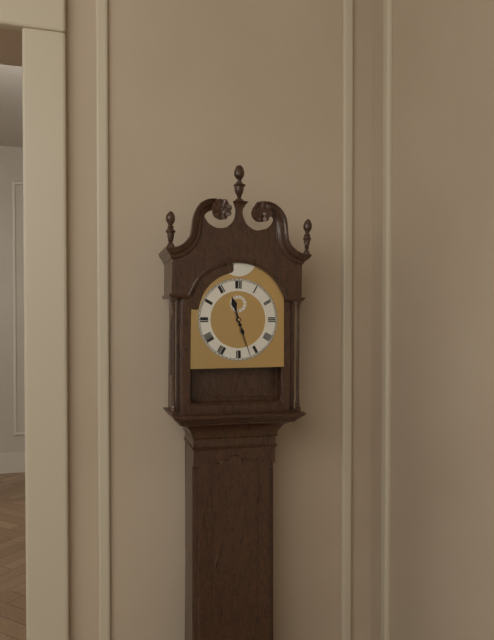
11:27
